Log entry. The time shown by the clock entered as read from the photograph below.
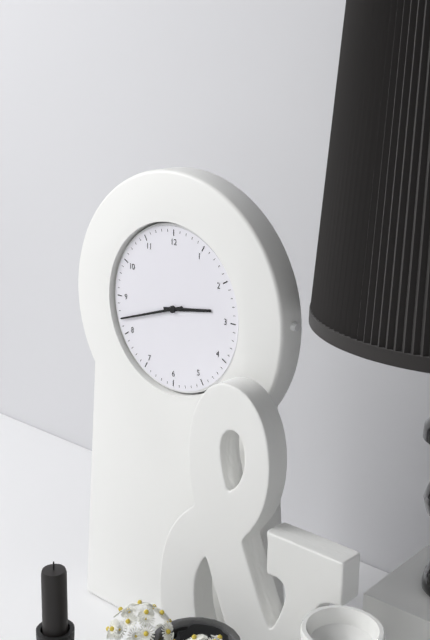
2:42
